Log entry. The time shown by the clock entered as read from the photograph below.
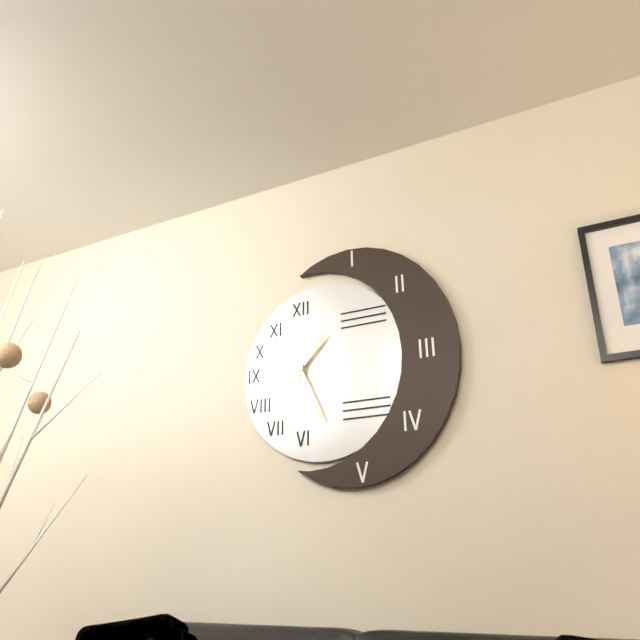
1:26:31
